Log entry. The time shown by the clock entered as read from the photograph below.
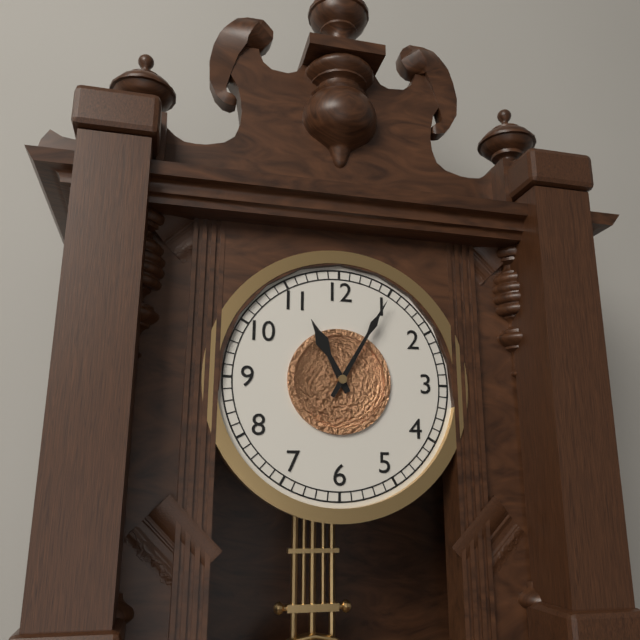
11:05
